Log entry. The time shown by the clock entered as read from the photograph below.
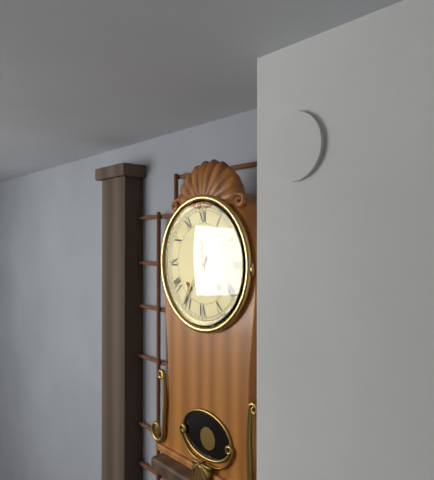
11:36
